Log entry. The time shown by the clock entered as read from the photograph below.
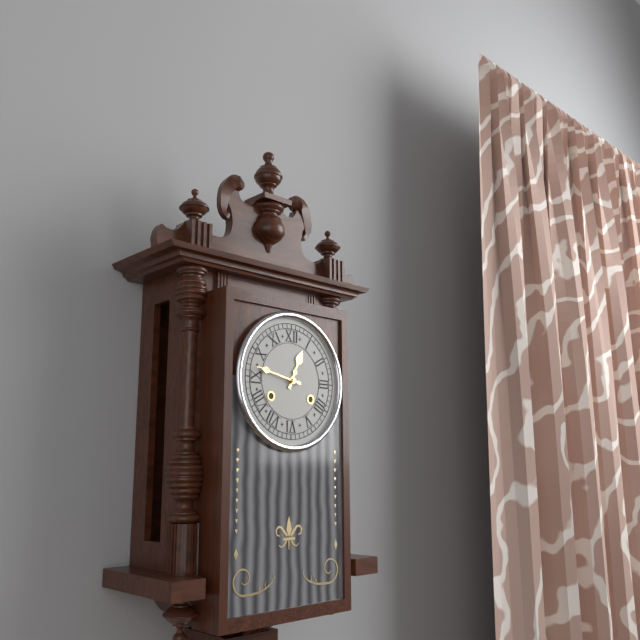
12:47
